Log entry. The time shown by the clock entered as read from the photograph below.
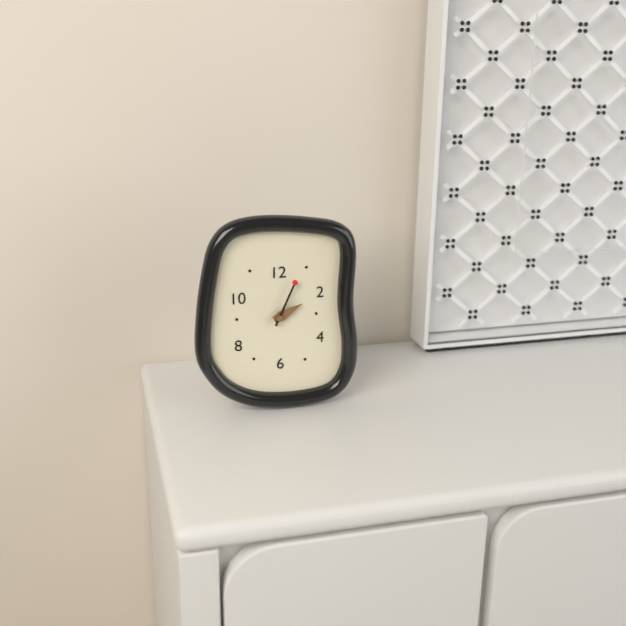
2:04
